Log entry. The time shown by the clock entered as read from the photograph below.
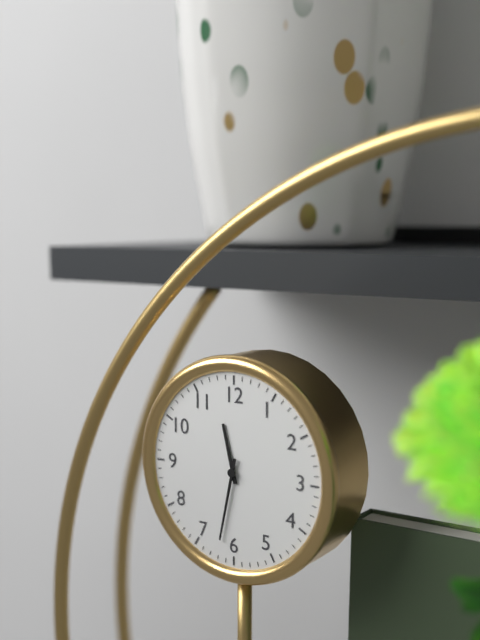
11:32
